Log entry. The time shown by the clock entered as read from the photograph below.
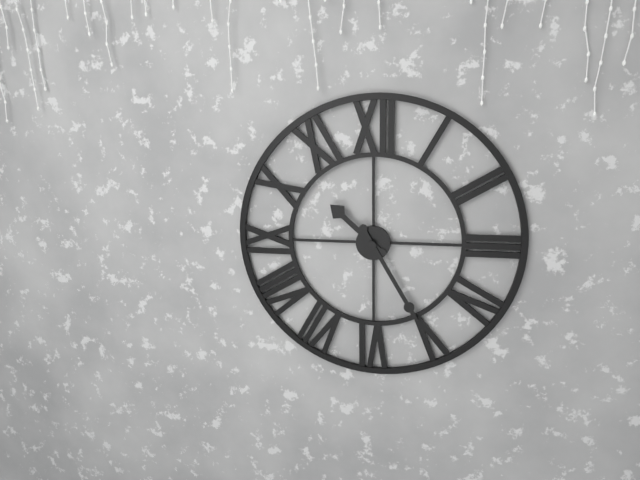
10:25
